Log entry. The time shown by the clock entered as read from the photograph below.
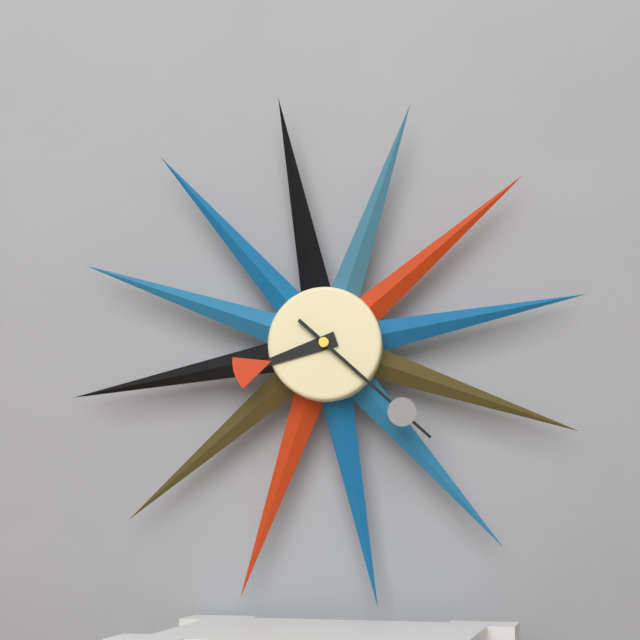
8:22
